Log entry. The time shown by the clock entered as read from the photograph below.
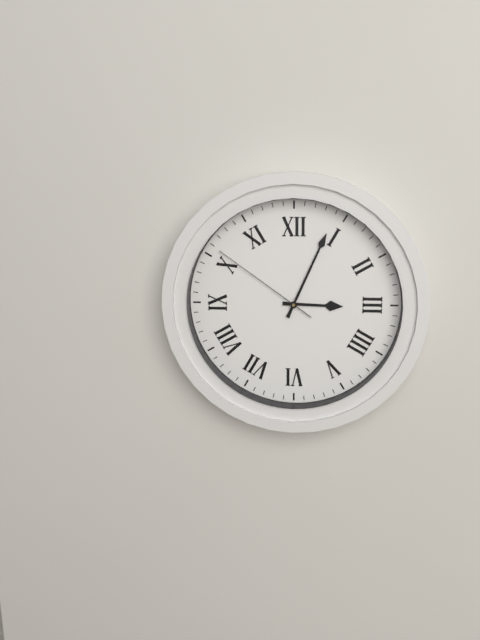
3:04:51
